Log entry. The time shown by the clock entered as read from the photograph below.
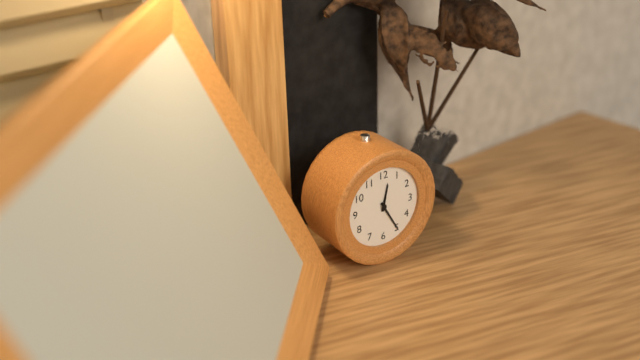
12:25
